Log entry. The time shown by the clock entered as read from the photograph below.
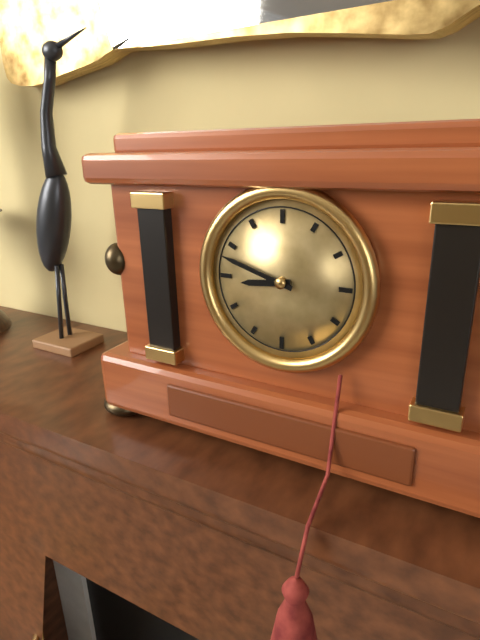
8:48
